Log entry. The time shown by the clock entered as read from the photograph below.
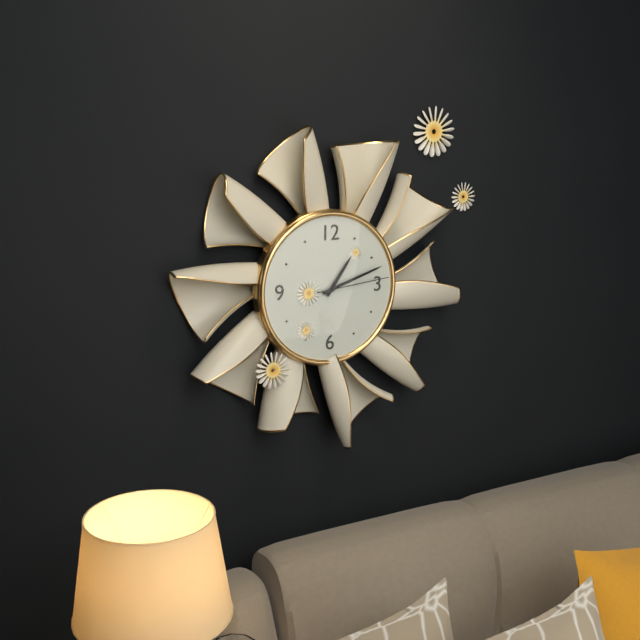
1:12:14
